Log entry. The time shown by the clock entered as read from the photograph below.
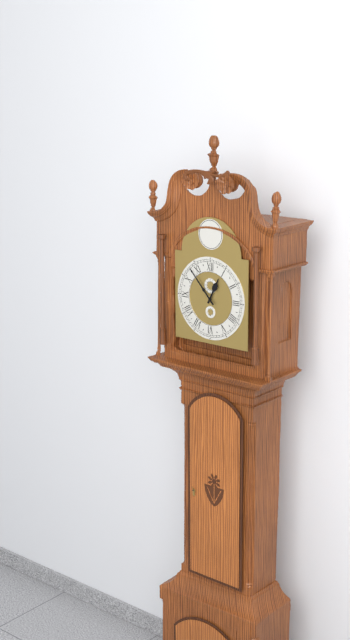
12:53
